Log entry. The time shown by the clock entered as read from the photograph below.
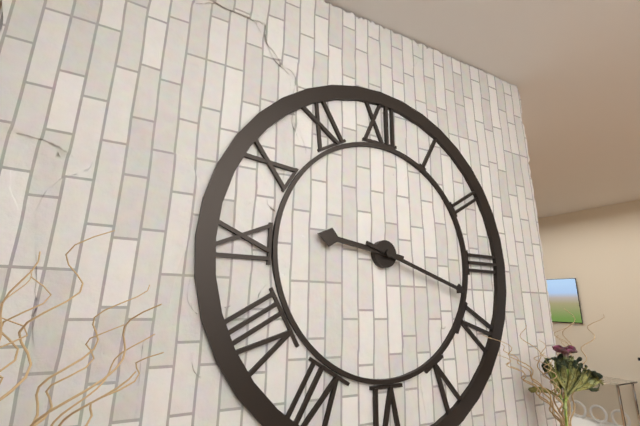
9:18
